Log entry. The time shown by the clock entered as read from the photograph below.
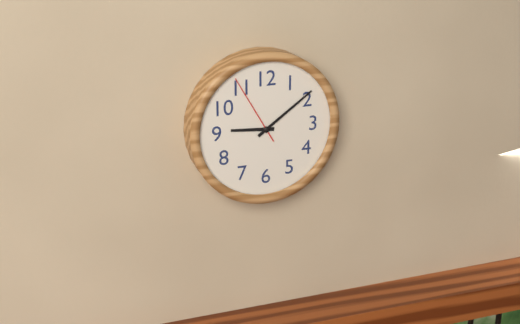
9:09:55
